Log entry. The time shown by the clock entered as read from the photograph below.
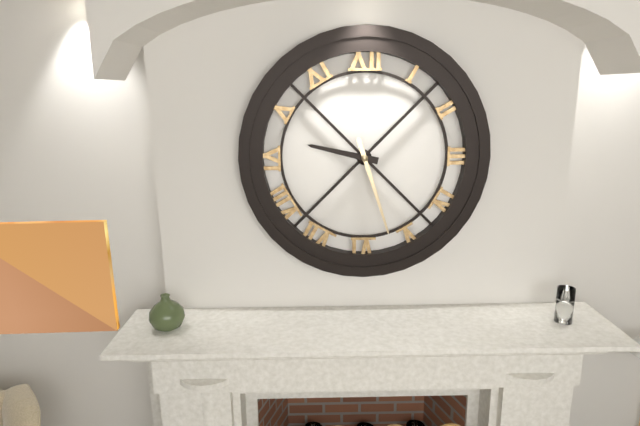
9:27
